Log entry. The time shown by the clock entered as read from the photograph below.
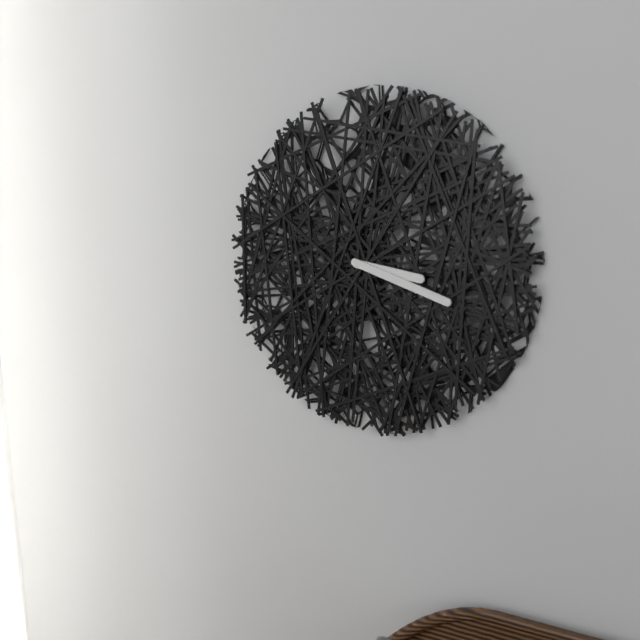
3:18
